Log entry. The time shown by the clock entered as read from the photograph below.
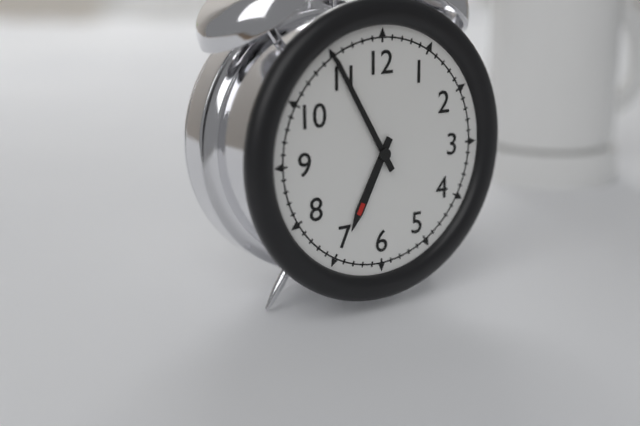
6:55
